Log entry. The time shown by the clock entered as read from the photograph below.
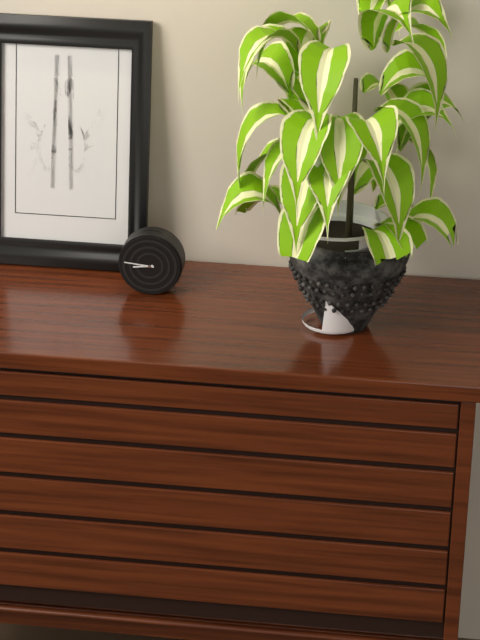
8:46
